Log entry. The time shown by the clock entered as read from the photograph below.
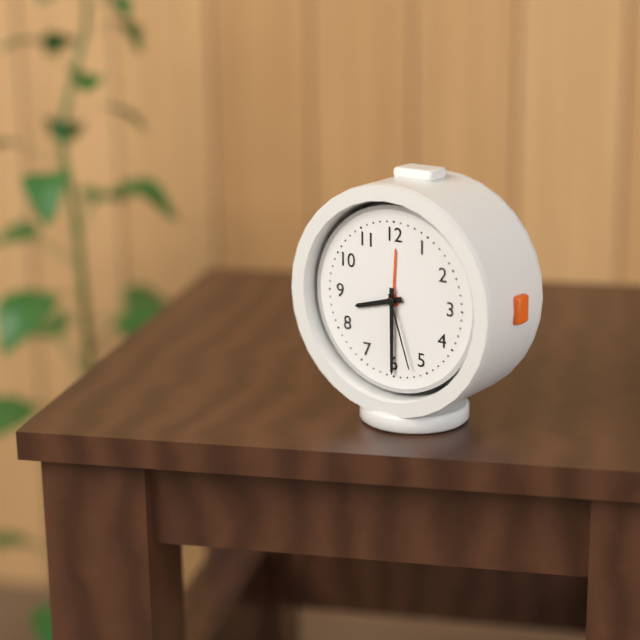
8:30:27
